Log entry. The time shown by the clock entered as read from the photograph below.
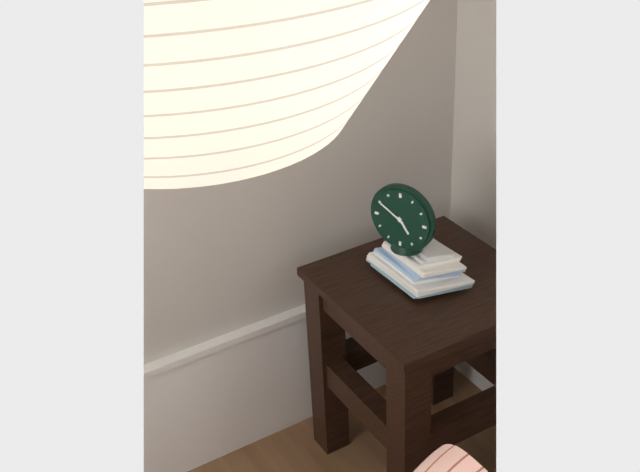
4:50
